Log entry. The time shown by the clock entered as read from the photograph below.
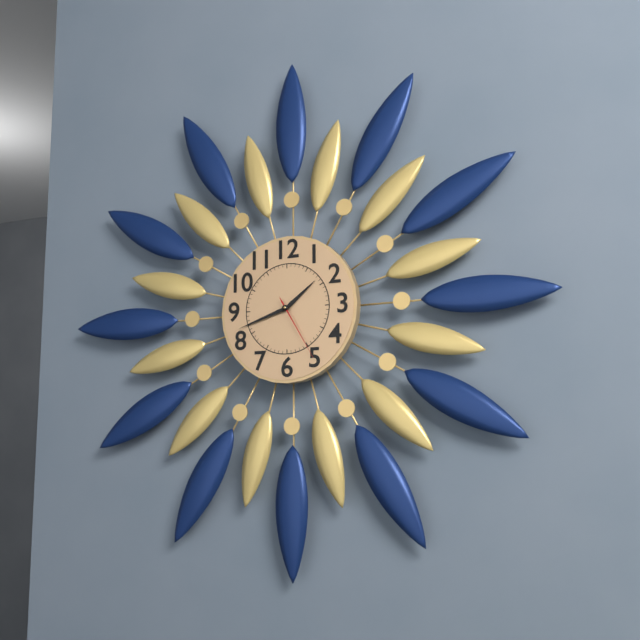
1:42:25
